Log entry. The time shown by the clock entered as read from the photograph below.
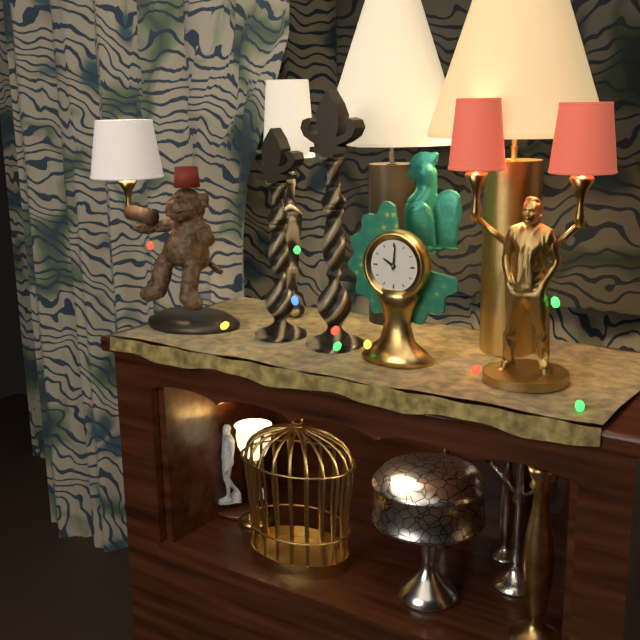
10:01
